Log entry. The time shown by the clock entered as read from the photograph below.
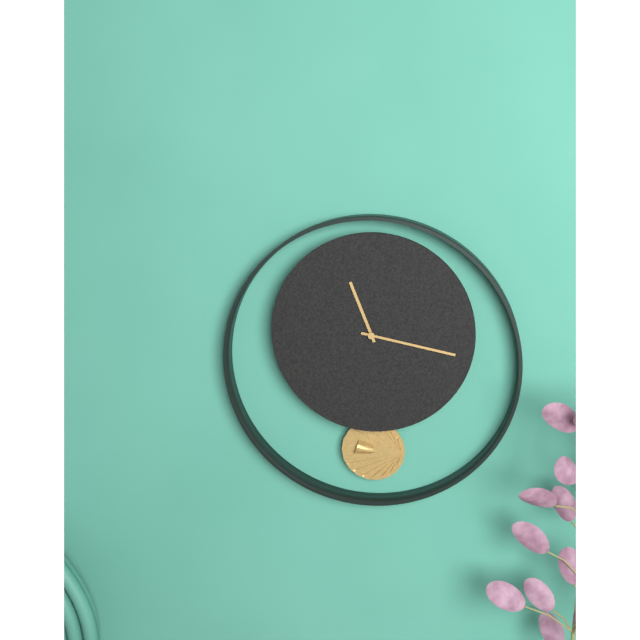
11:17
